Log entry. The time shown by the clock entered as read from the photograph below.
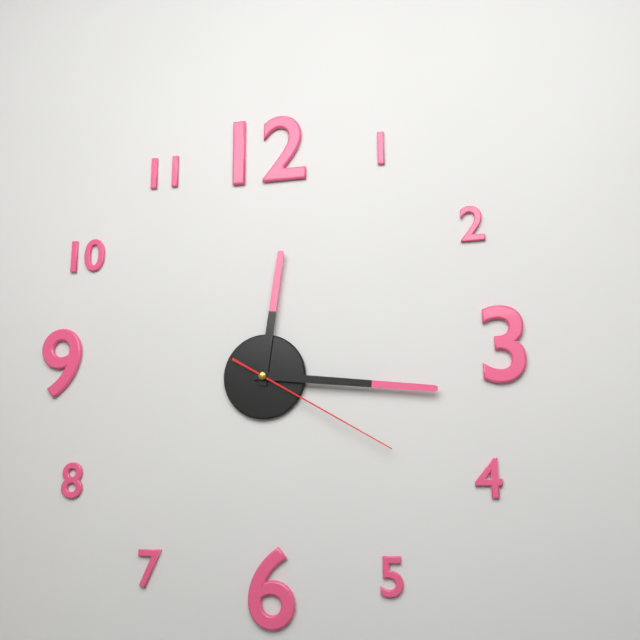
12:16:20
